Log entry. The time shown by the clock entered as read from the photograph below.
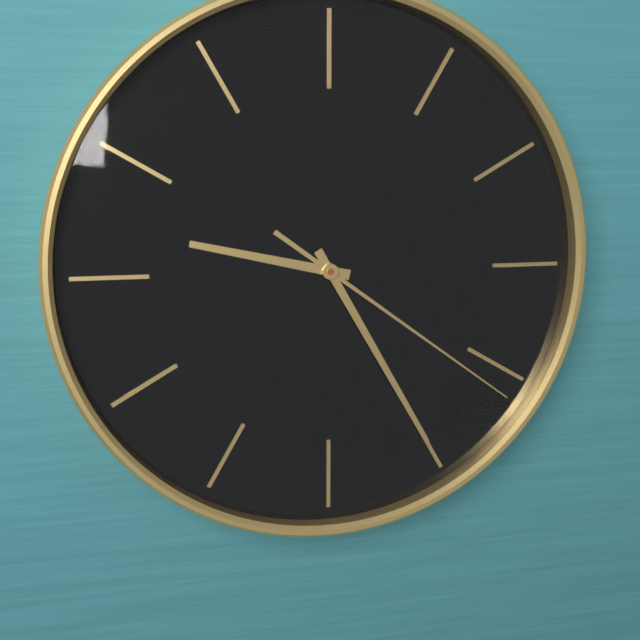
9:25:21
